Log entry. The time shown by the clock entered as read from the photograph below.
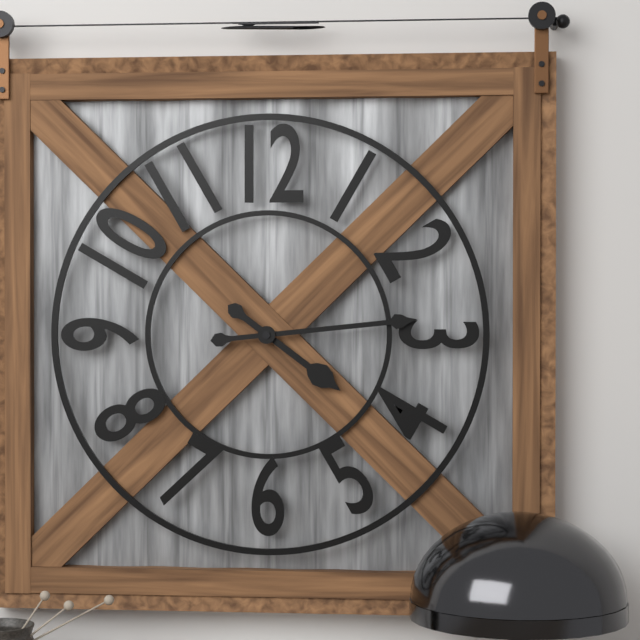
4:14
